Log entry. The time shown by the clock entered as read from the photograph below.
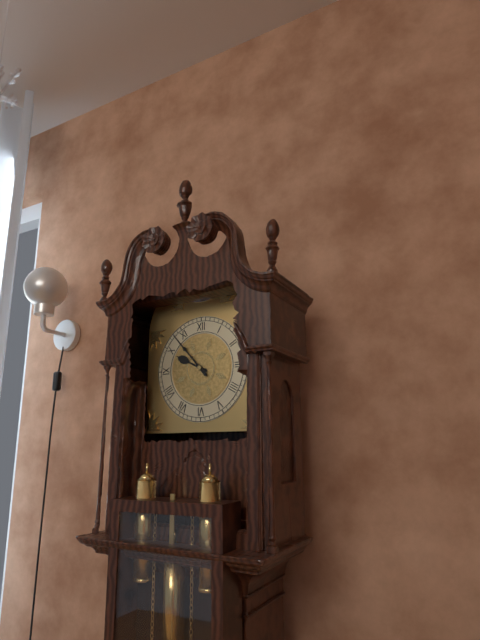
9:53
